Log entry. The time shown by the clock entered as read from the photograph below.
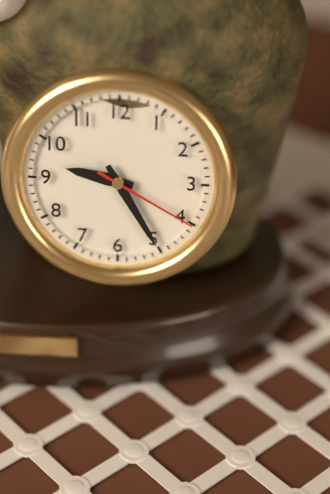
9:25:20
